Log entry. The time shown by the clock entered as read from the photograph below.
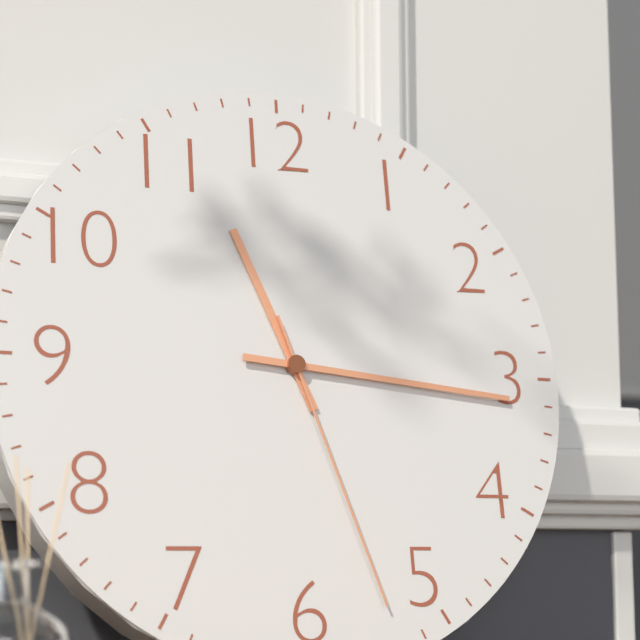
11:16:27
